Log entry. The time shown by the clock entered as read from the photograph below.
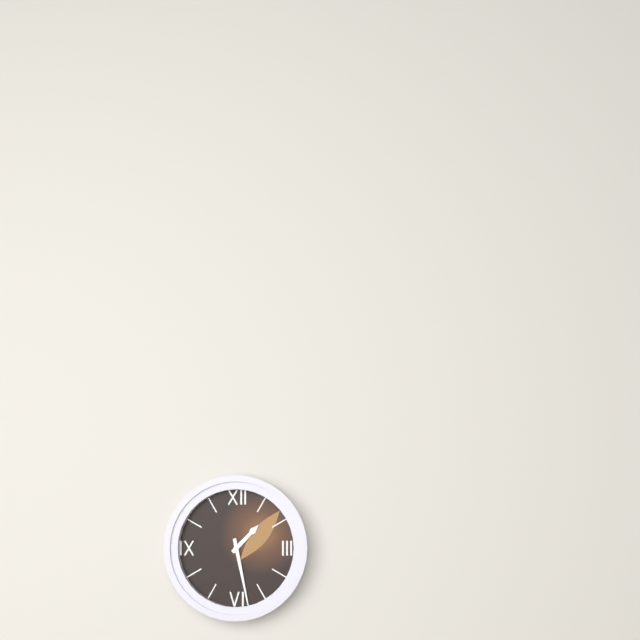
1:28
